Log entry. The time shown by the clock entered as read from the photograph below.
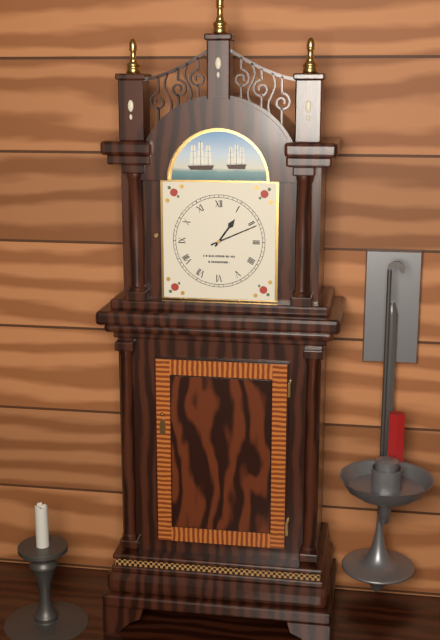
1:11
